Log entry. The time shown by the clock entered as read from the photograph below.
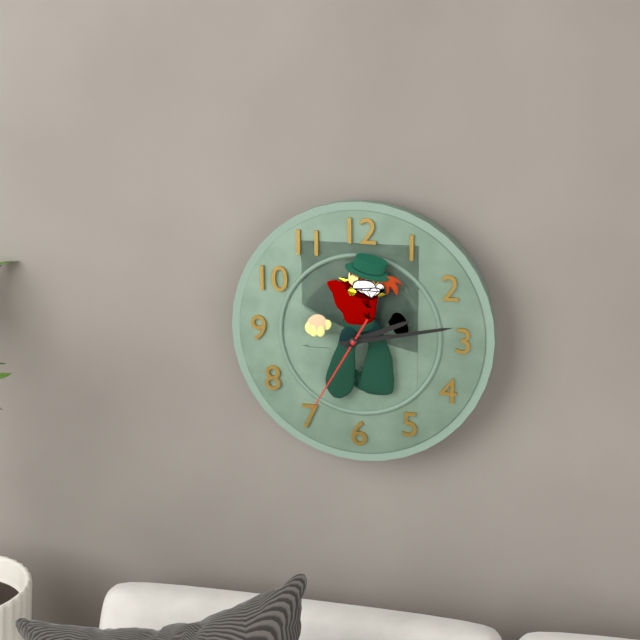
2:13:35
